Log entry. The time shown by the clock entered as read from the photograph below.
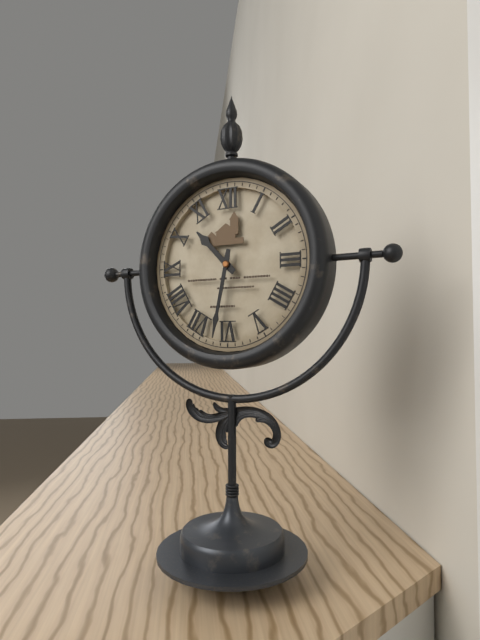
10:32
